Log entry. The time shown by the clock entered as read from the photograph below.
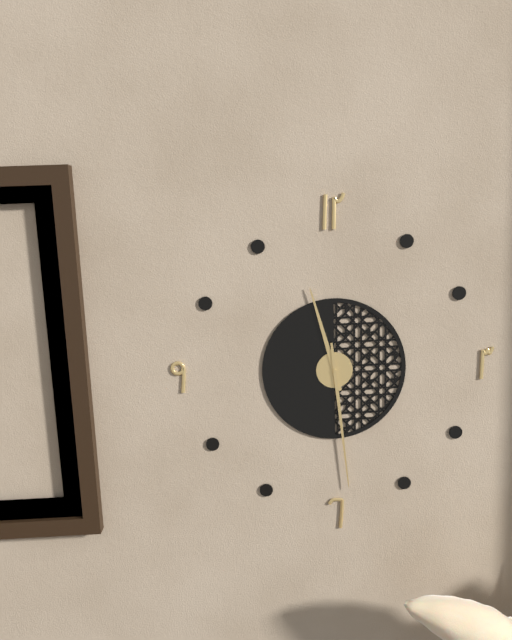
11:29
